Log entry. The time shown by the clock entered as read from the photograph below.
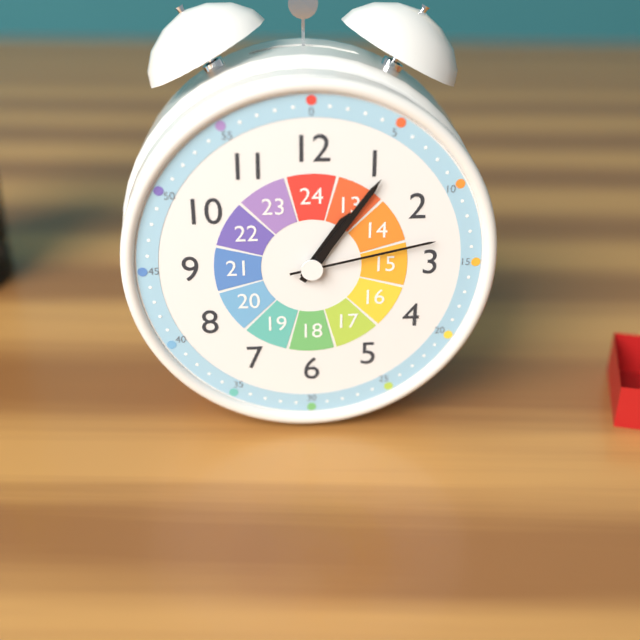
1:06:13
